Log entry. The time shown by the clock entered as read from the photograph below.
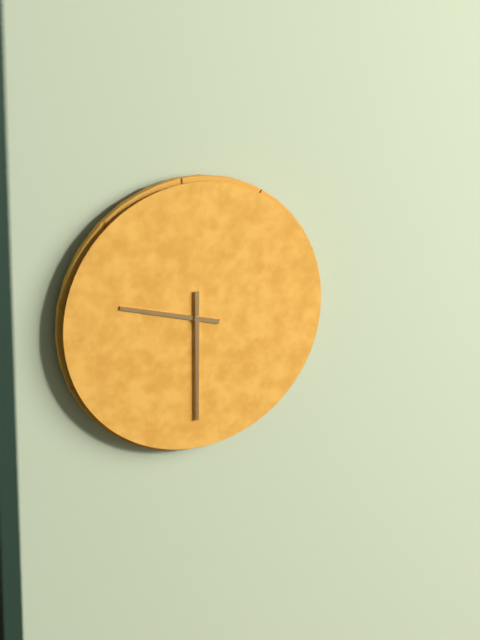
9:30
